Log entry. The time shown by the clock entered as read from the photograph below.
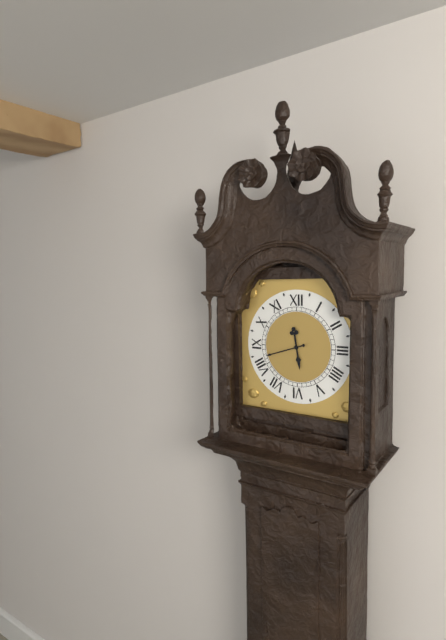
5:42
